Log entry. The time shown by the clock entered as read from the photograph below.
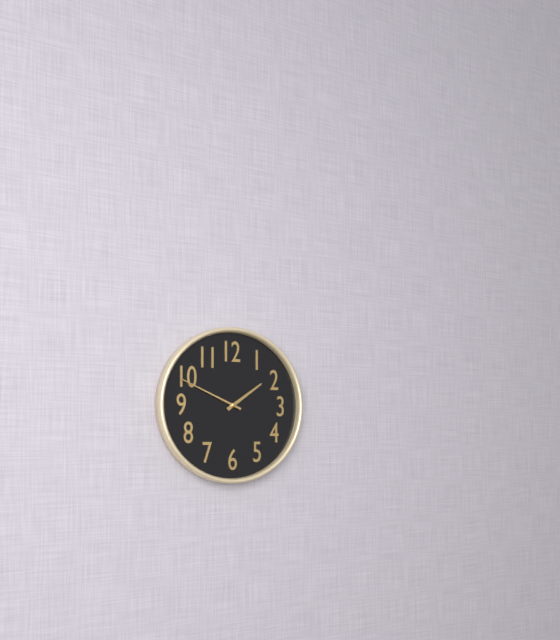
1:49
